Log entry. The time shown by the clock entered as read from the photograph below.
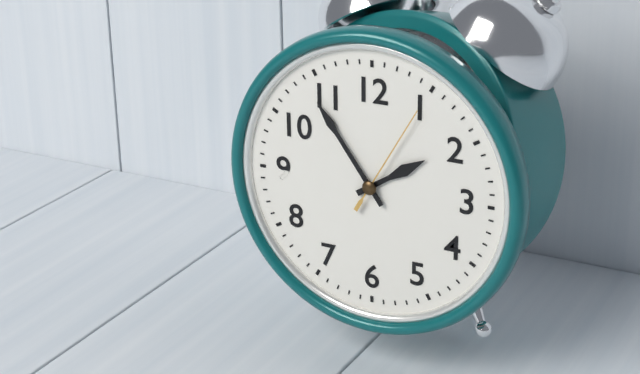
1:54:05
